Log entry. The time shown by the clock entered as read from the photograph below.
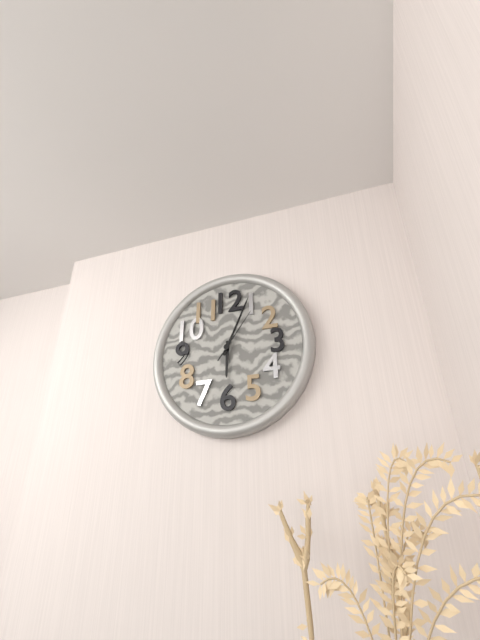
6:04:06
